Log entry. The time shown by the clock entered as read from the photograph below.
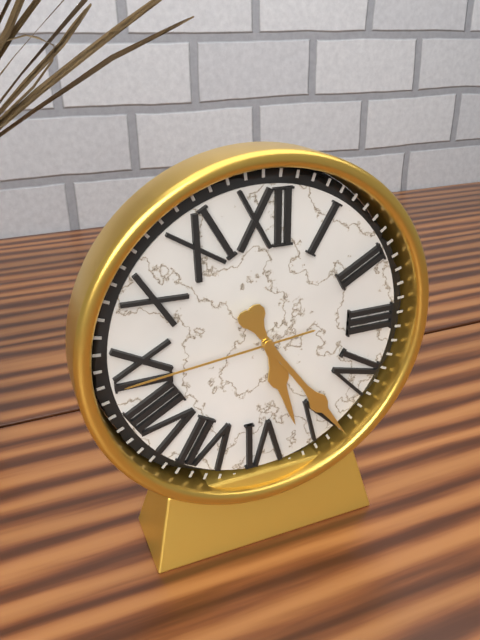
5:24:44
